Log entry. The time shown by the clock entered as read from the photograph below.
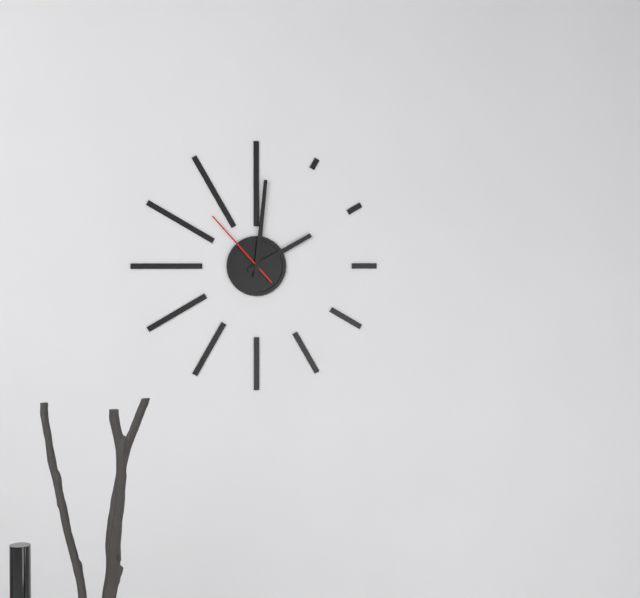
2:01:53
